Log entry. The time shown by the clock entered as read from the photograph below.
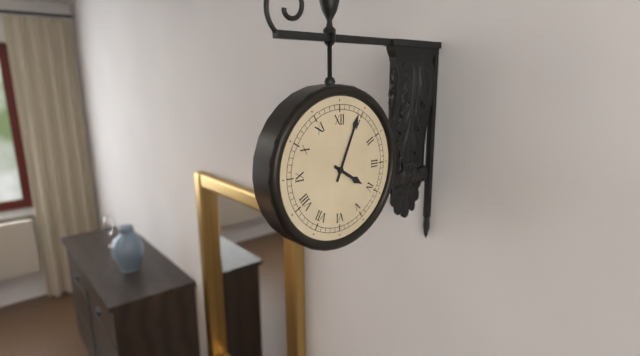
4:04
